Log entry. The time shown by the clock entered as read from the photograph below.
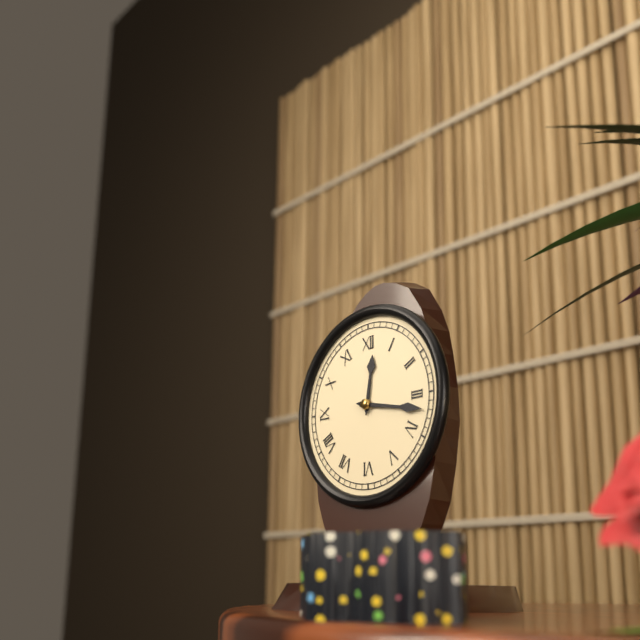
12:17
